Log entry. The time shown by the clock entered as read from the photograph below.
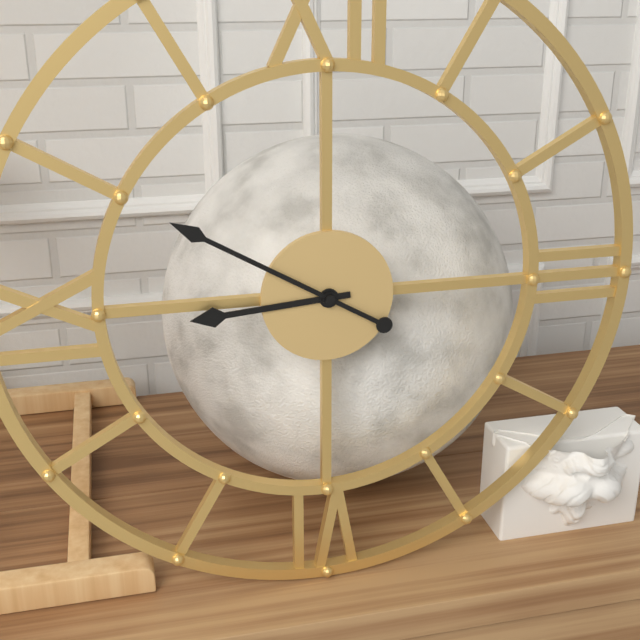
8:50
